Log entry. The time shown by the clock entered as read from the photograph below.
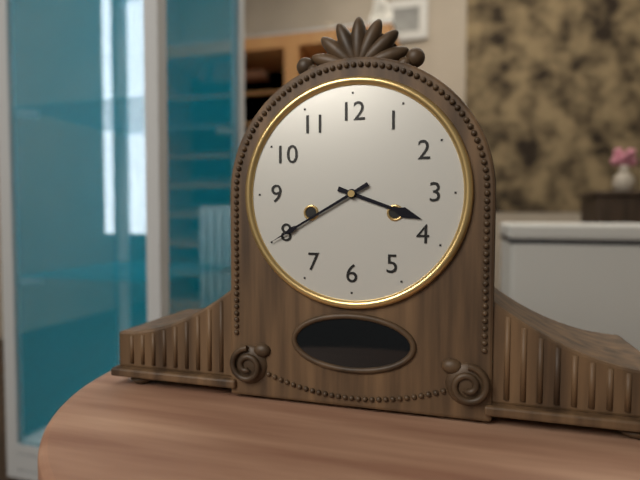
3:40
